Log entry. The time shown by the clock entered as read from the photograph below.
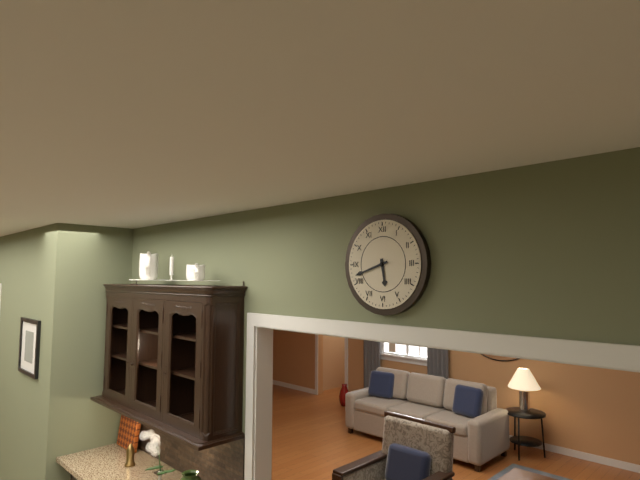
5:42
